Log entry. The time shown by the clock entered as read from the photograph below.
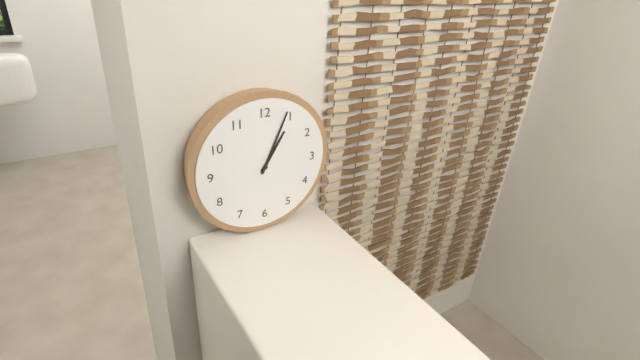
1:04
